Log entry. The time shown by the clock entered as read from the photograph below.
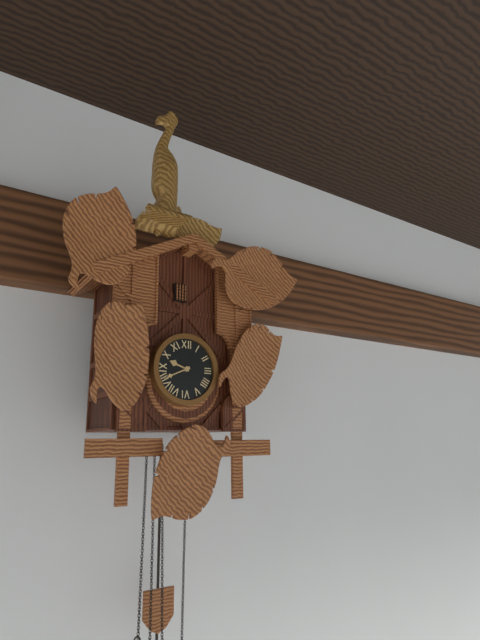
9:41
